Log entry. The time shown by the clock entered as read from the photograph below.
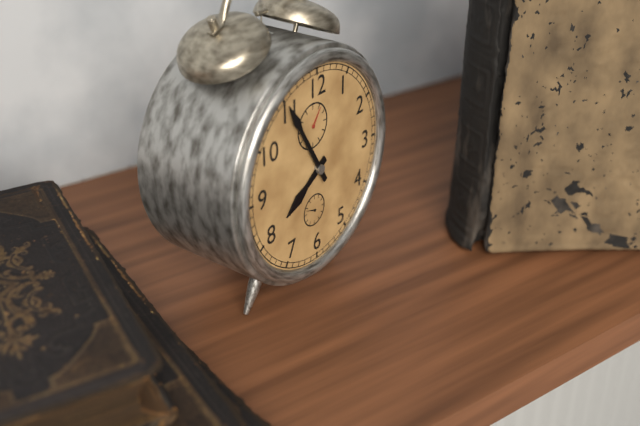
7:55
